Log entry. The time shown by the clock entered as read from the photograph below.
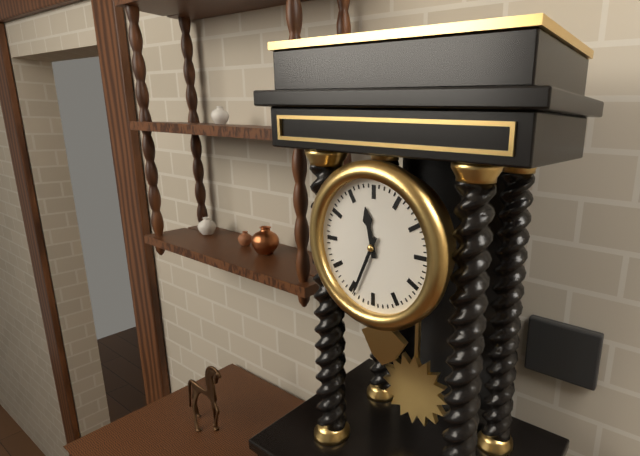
11:34
